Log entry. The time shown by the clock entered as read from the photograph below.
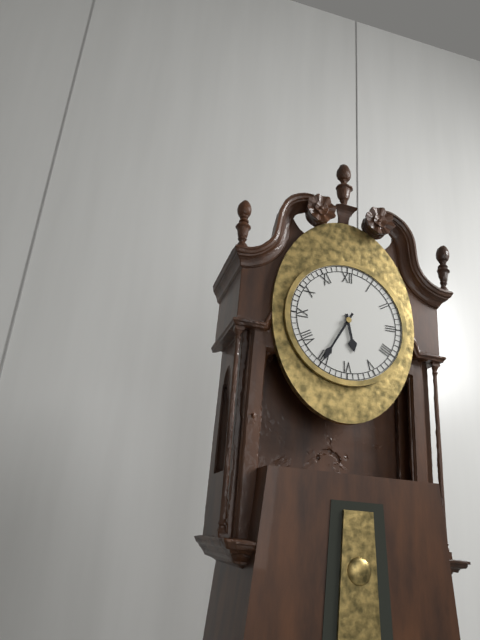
5:35
